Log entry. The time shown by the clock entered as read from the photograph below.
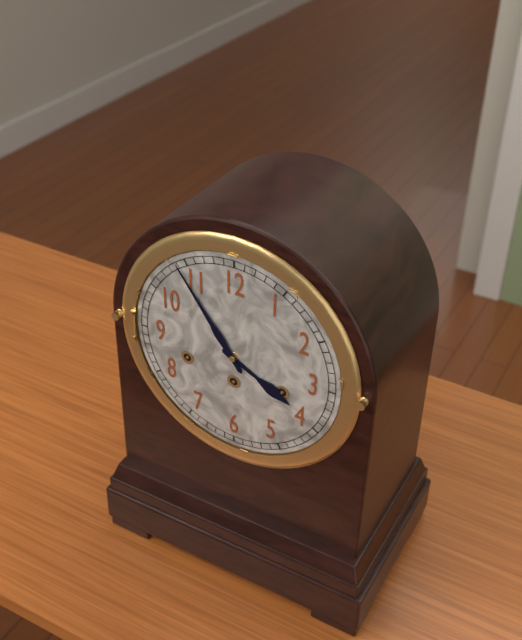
3:54
